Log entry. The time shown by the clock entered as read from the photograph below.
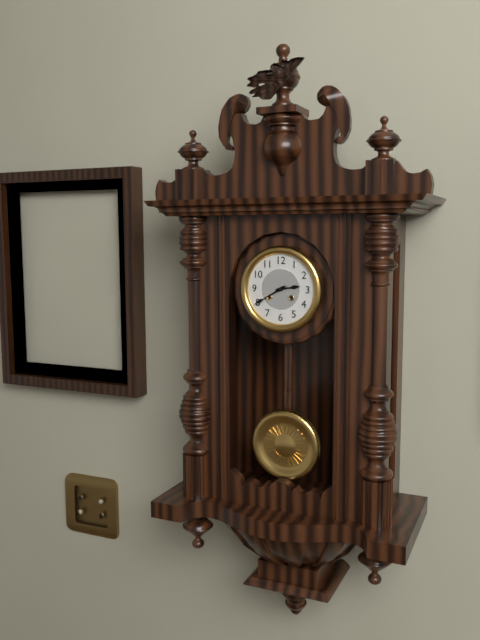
2:40
